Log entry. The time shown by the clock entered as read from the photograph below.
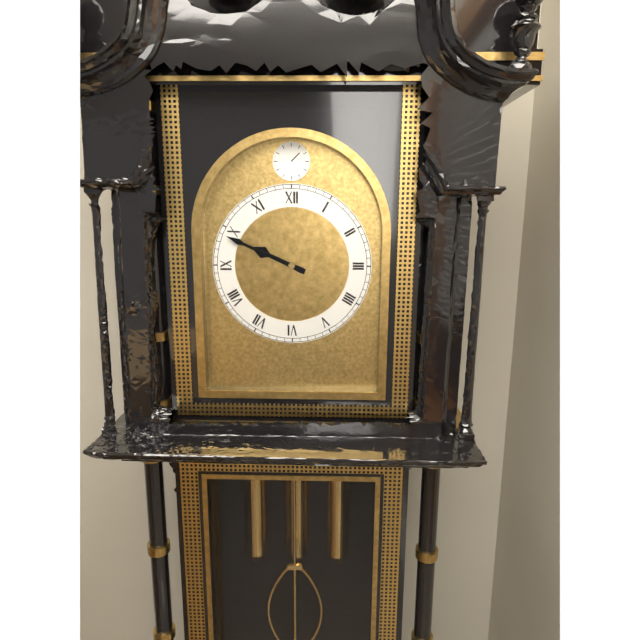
9:49
